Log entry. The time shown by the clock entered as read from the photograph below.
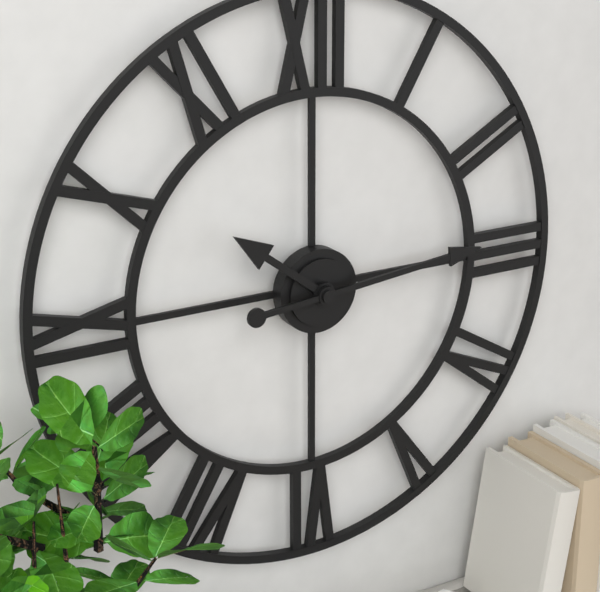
10:14
